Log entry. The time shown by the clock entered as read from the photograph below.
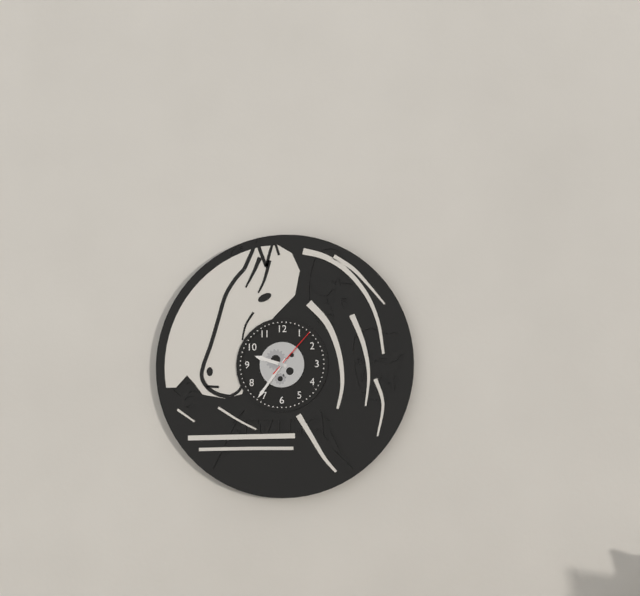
9:36:07
